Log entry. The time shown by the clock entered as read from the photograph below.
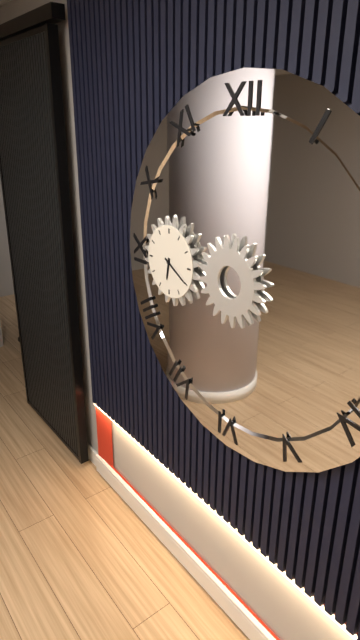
6:20
